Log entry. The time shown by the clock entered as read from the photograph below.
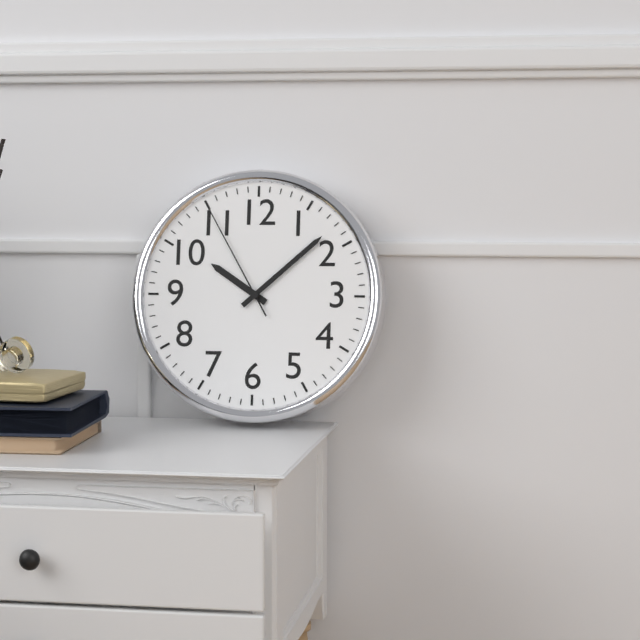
10:08:55
